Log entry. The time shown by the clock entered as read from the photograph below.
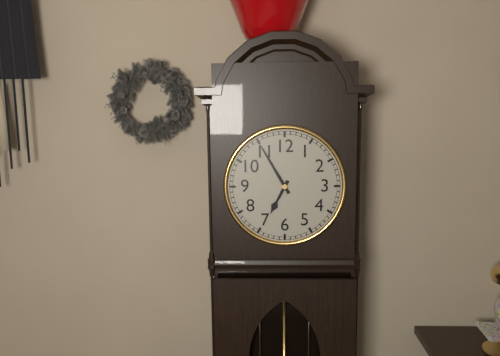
6:55
